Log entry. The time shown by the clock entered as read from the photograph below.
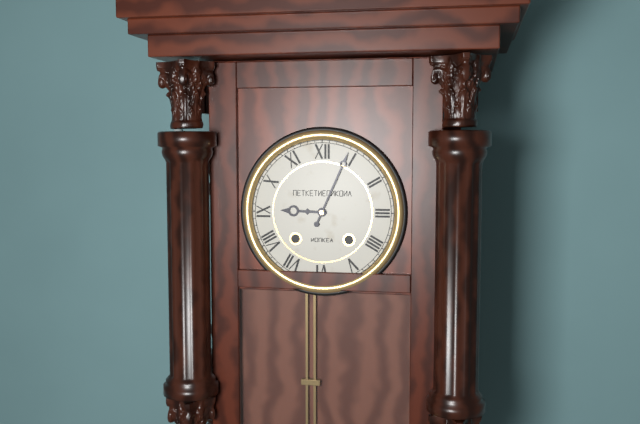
9:04
